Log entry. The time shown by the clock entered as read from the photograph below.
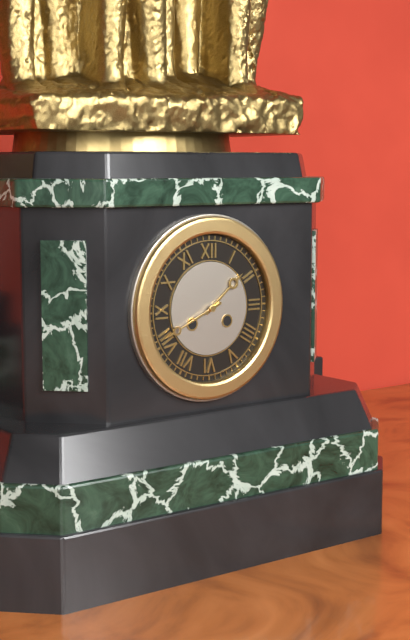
1:41
